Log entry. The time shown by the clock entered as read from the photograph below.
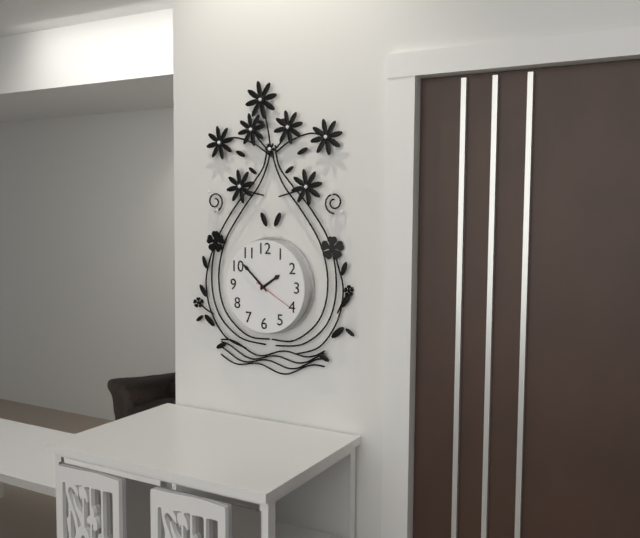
1:52
